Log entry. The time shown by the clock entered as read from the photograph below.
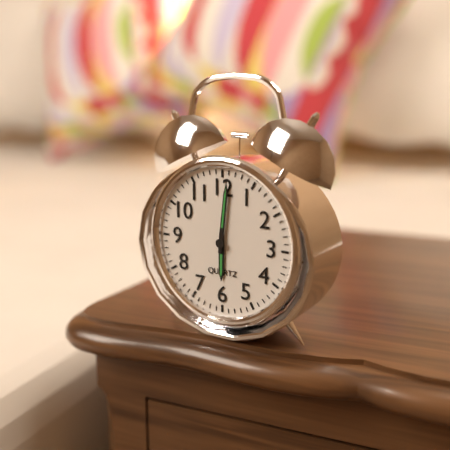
6:01
